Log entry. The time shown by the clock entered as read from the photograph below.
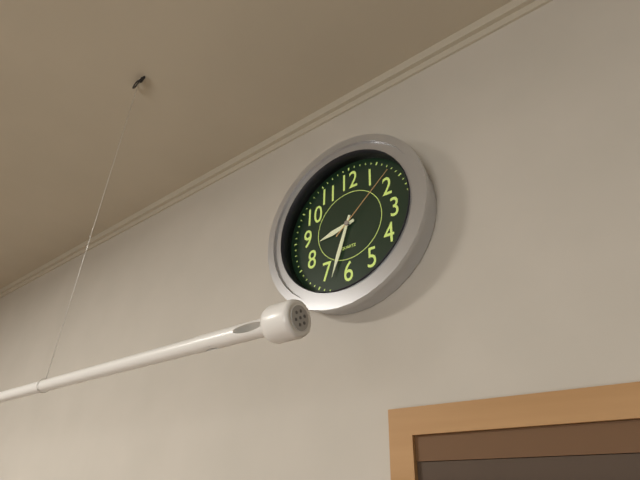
8:33:08
